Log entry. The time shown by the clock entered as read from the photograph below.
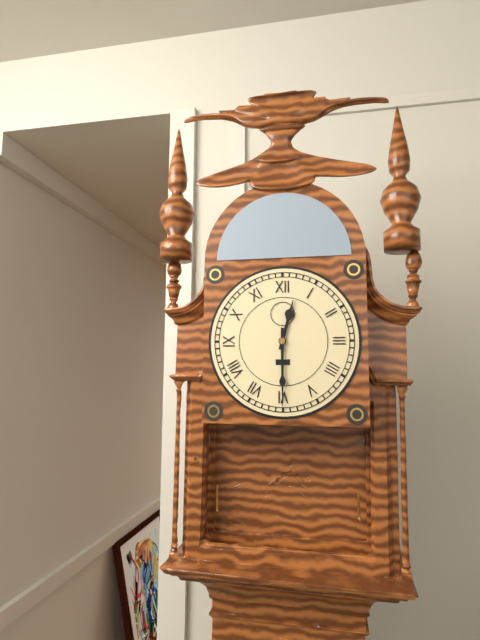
12:30
